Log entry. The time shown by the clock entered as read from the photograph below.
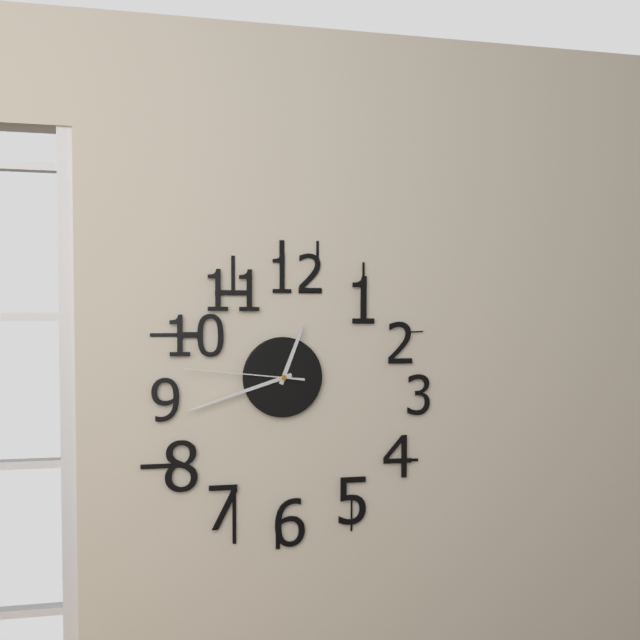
12:42:46
